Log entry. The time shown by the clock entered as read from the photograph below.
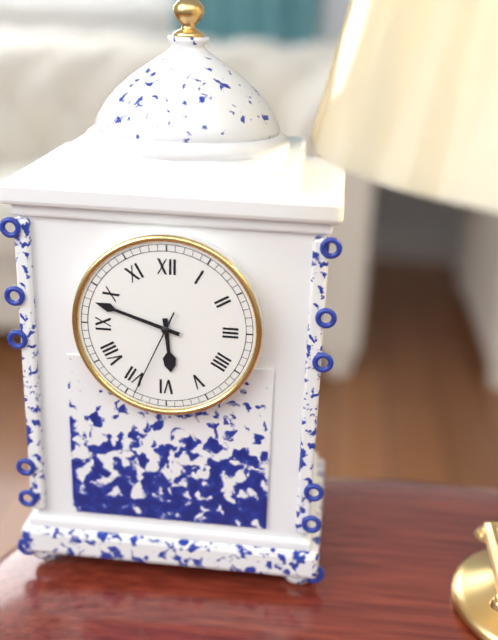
5:48:34
